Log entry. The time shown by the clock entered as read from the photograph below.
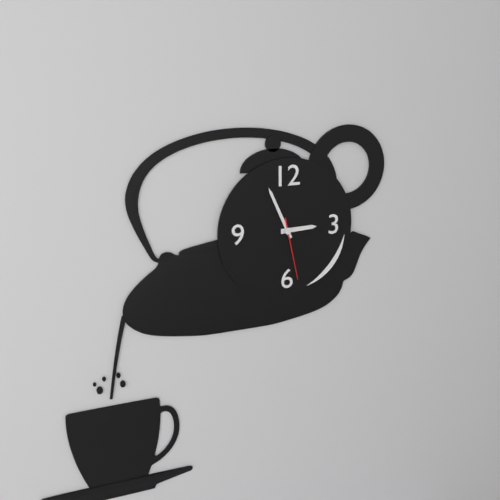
2:56:28
